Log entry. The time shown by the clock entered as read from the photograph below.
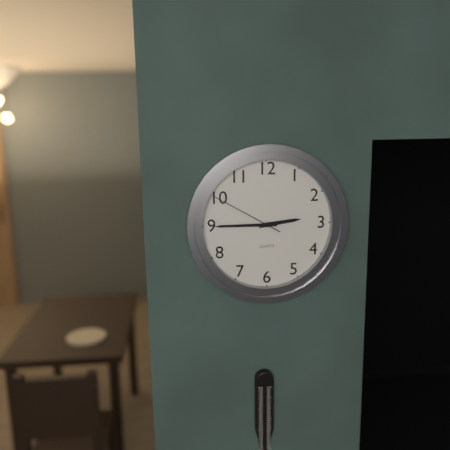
2:45:50
